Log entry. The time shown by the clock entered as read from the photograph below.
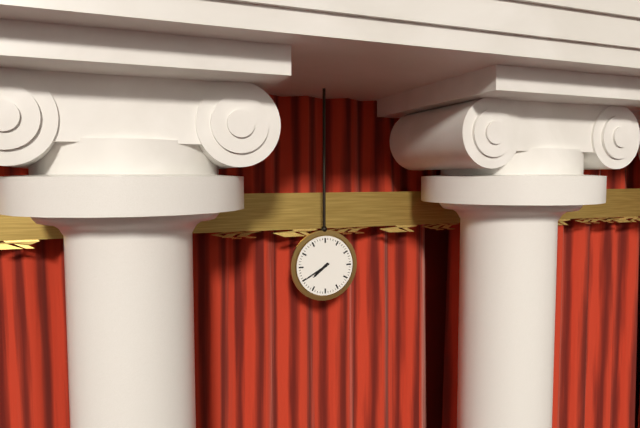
7:40
